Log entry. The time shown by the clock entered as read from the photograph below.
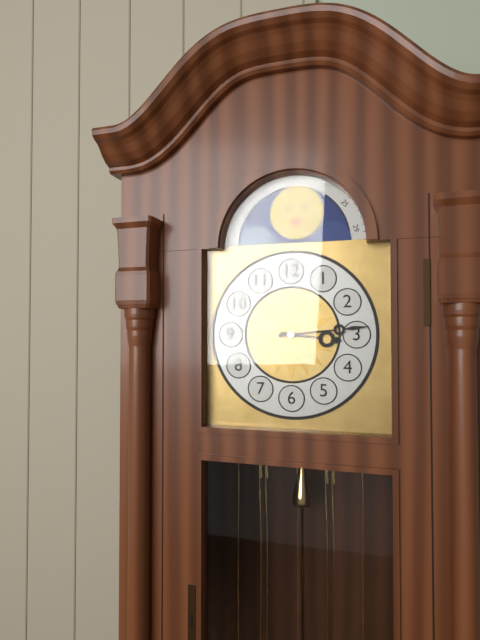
3:14
